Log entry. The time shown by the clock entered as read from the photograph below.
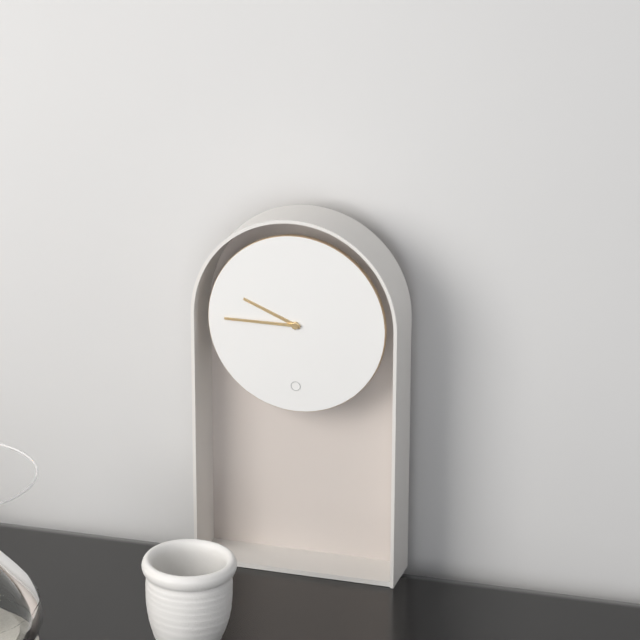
9:45
